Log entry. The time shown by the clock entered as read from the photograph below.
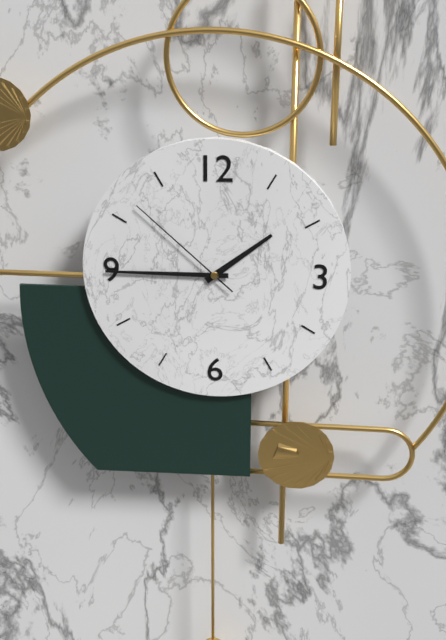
1:45:52
